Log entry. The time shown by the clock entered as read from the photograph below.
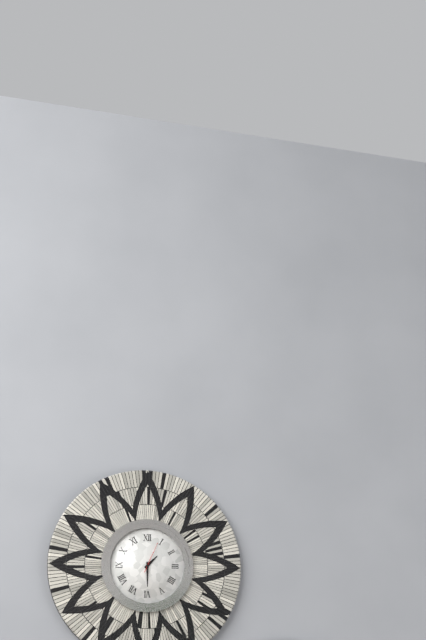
1:30
